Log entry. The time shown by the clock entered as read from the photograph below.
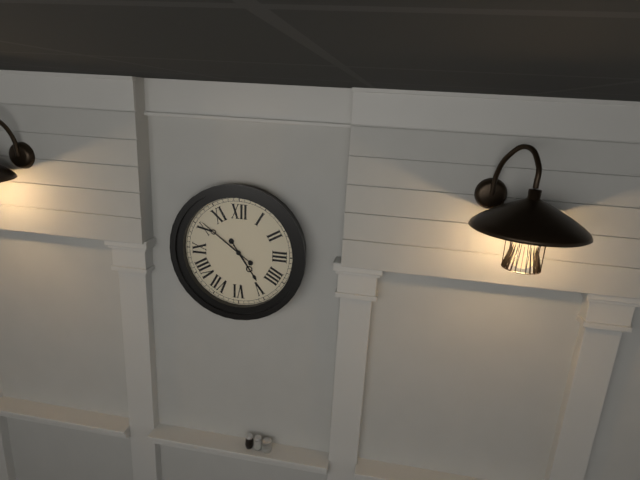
4:51
